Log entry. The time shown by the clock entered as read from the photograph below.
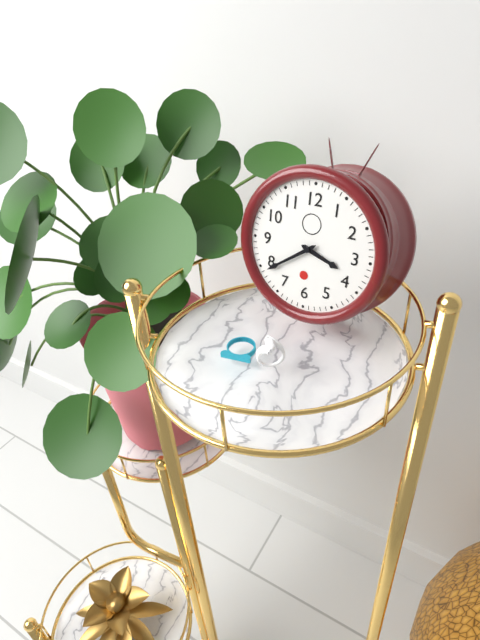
3:39
